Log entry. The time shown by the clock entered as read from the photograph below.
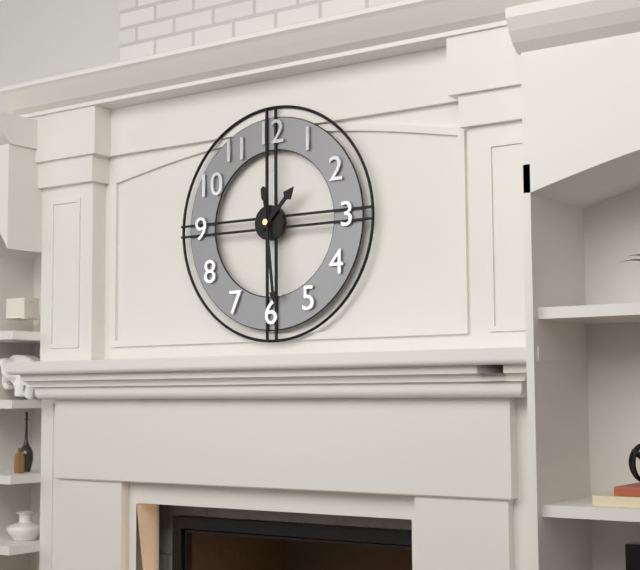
1:29
